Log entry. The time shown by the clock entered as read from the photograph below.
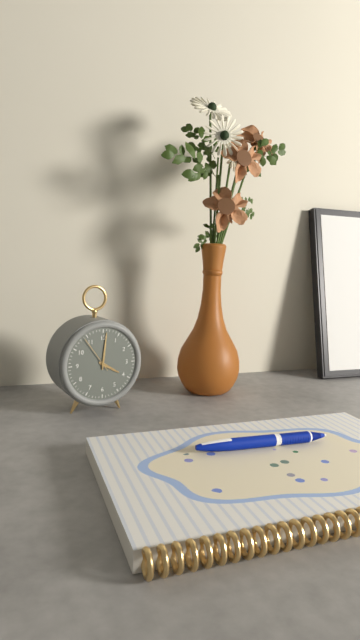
4:01
